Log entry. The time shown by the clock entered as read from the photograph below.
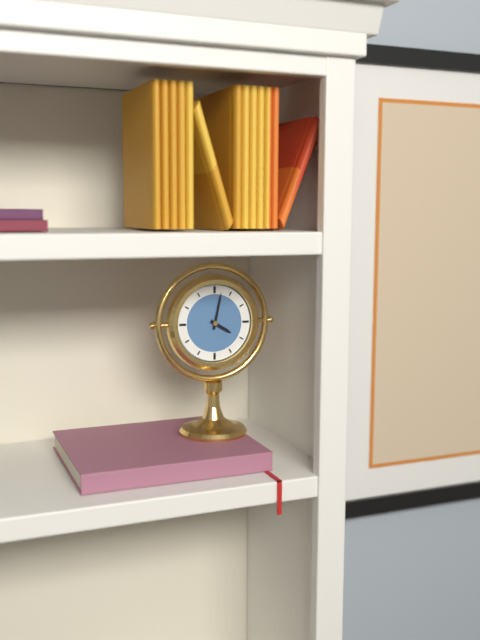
4:02
